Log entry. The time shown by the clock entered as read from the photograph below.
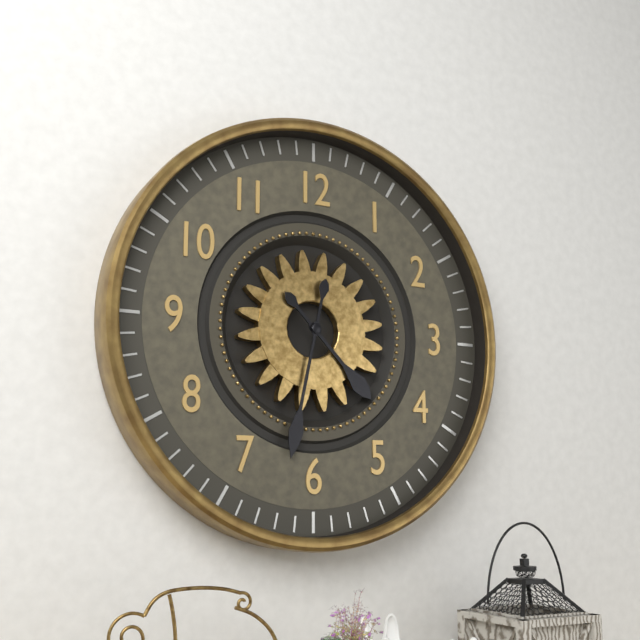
4:32
